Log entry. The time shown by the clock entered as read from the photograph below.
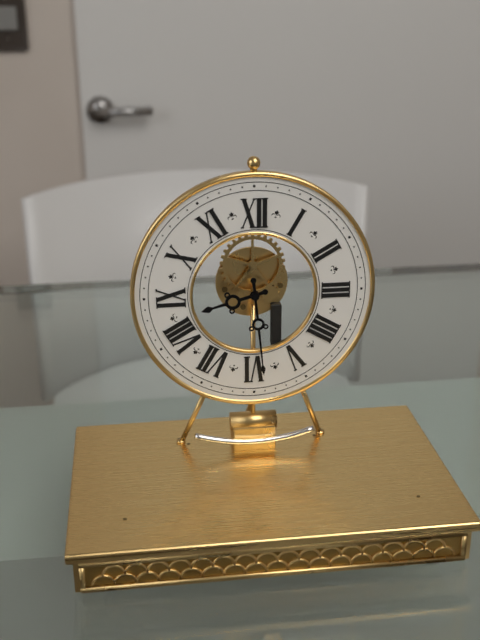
8:29
